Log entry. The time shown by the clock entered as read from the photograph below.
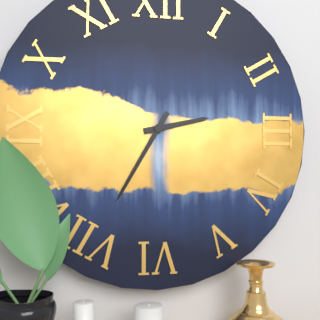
2:35
